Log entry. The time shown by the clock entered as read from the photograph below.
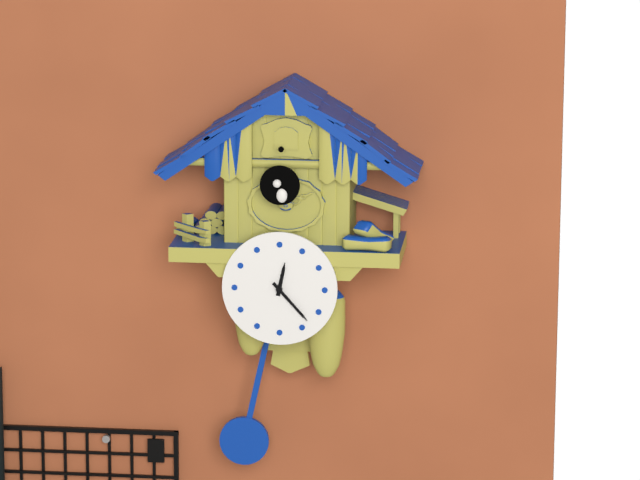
12:23
